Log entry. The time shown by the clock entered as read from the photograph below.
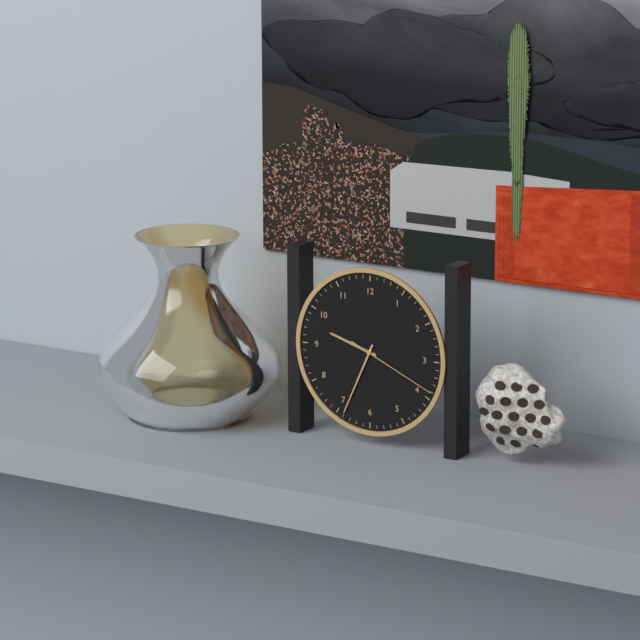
9:34:19
